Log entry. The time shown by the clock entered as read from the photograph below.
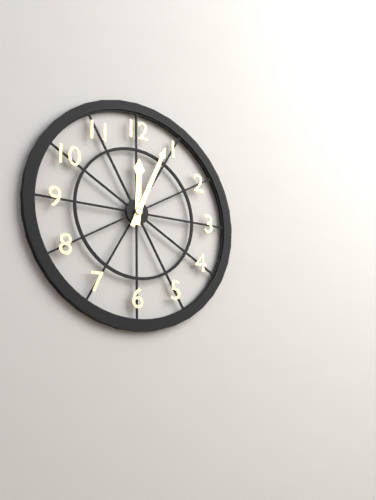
12:04
